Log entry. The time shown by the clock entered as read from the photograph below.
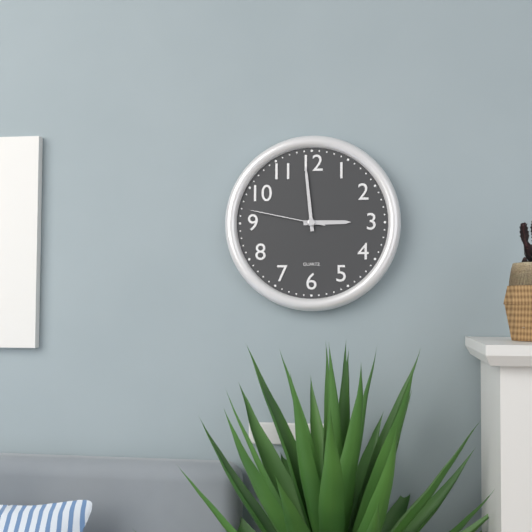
2:59:47
